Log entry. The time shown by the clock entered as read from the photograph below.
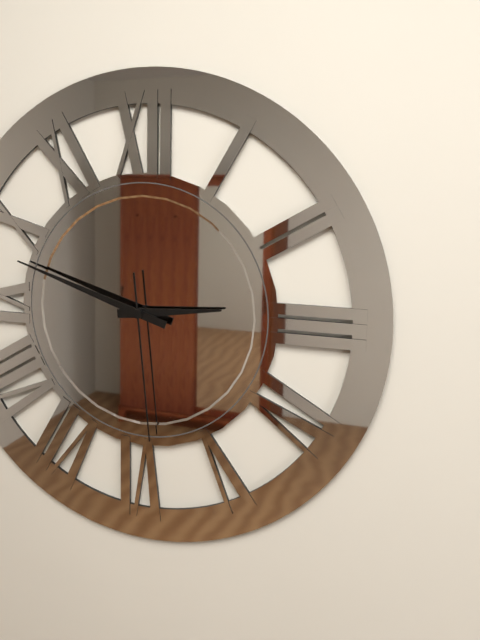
2:48:29
